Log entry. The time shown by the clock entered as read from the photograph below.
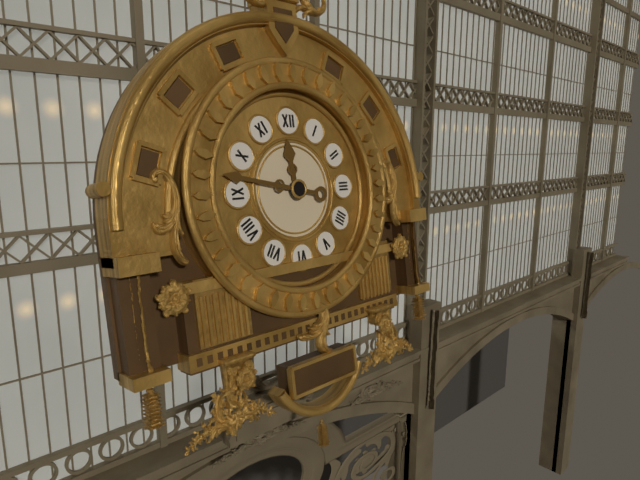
11:47
